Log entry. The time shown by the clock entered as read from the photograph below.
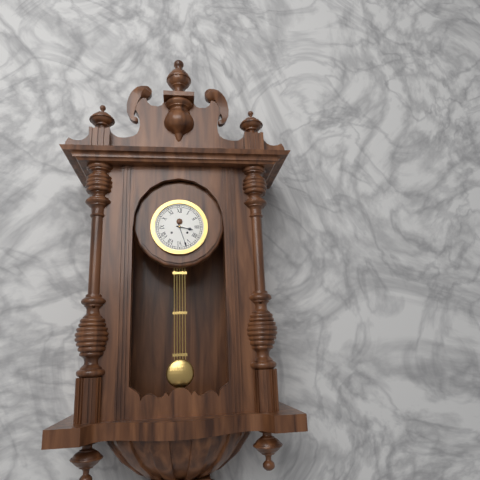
3:27
